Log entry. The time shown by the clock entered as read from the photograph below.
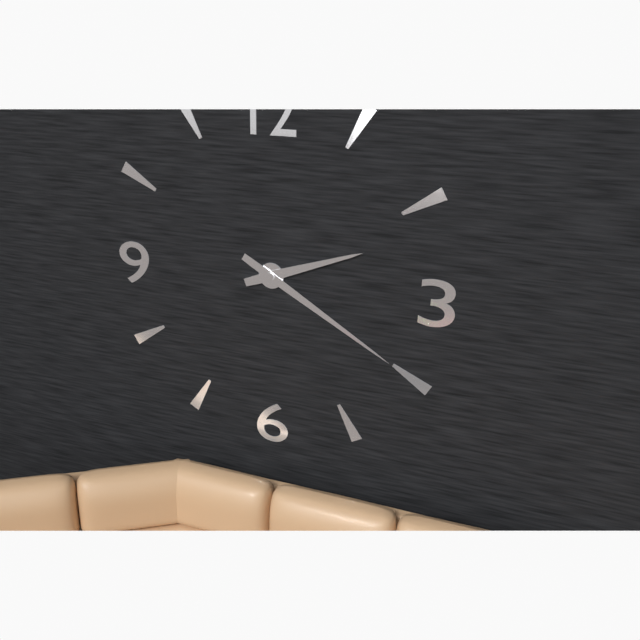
2:20
